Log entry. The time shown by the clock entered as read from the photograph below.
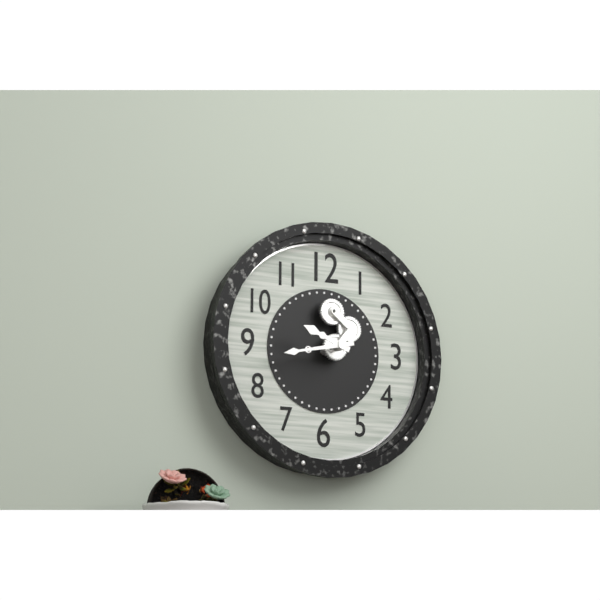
9:43
